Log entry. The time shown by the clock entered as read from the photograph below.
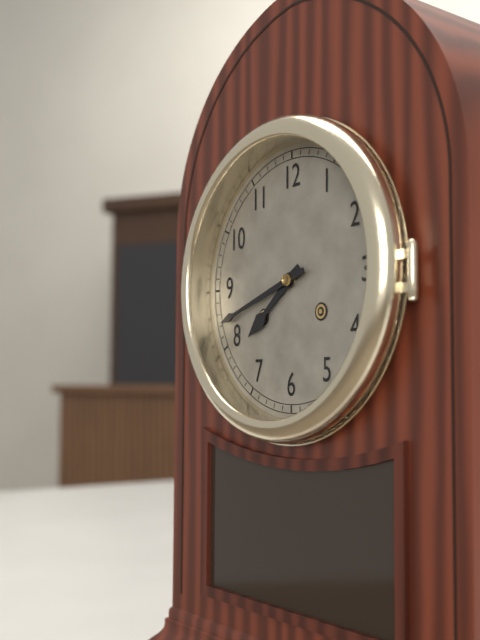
7:42
